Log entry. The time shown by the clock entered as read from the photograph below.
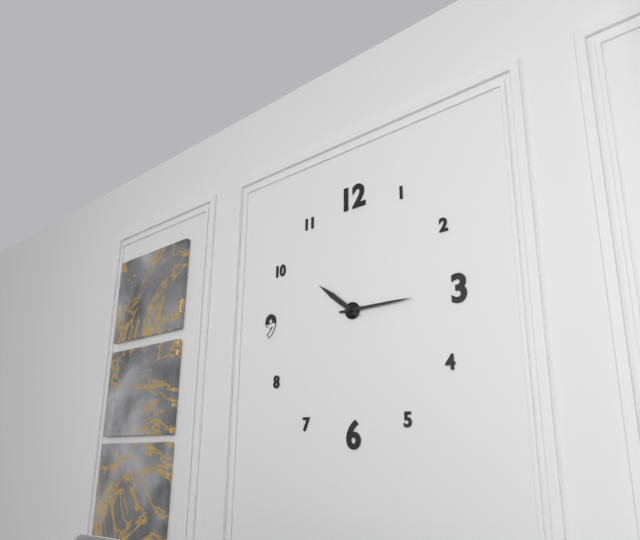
10:15
